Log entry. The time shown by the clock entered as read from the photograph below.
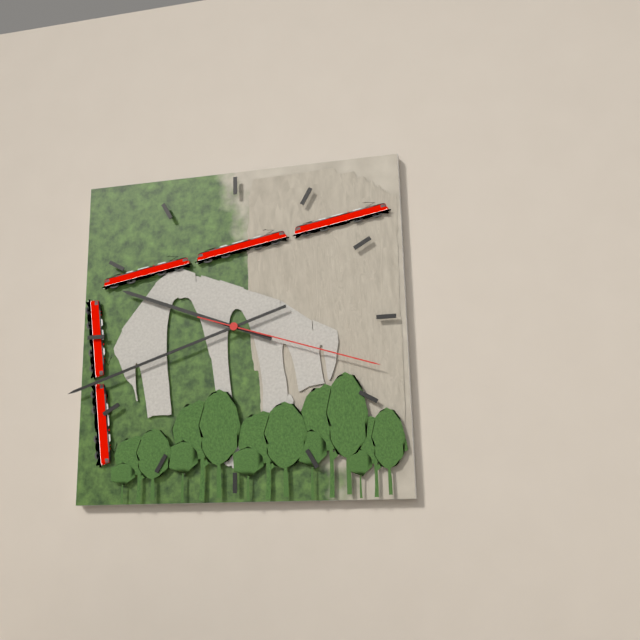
9:42:18
